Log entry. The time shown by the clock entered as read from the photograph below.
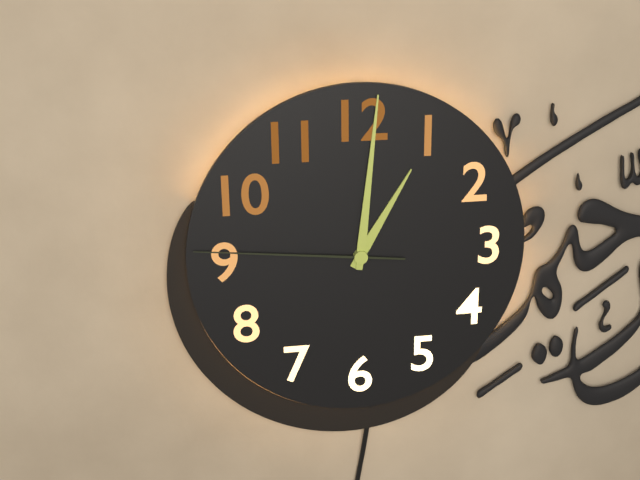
1:01:46
